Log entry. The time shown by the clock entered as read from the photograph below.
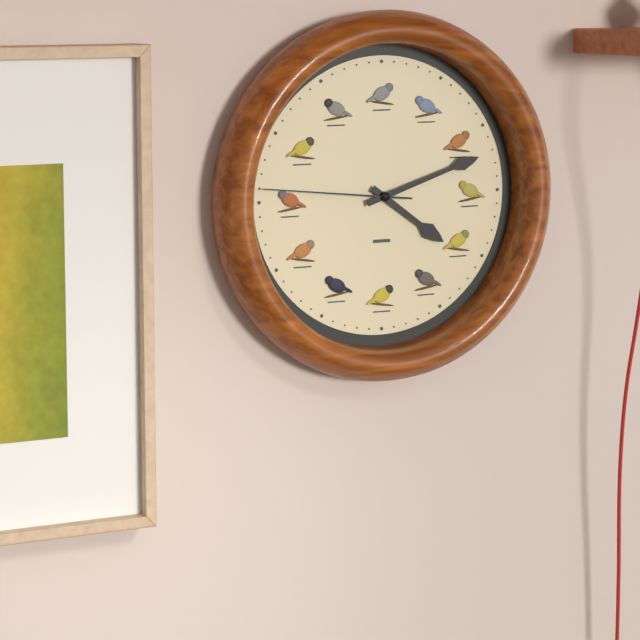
4:12:46
